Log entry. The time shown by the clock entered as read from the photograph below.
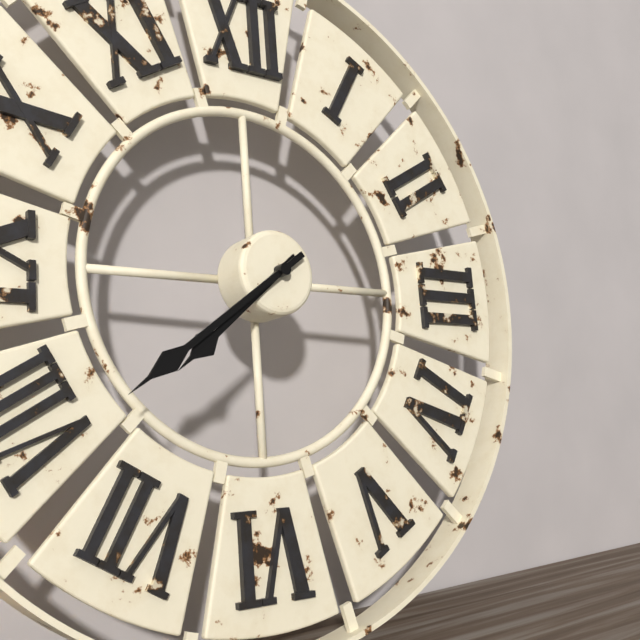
7:39
